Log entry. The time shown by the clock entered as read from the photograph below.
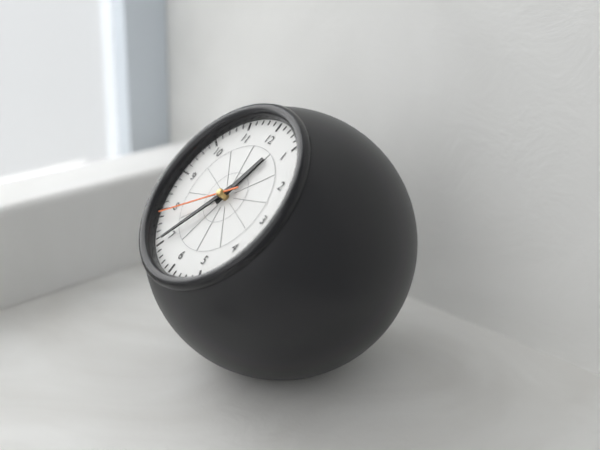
12:35:39
